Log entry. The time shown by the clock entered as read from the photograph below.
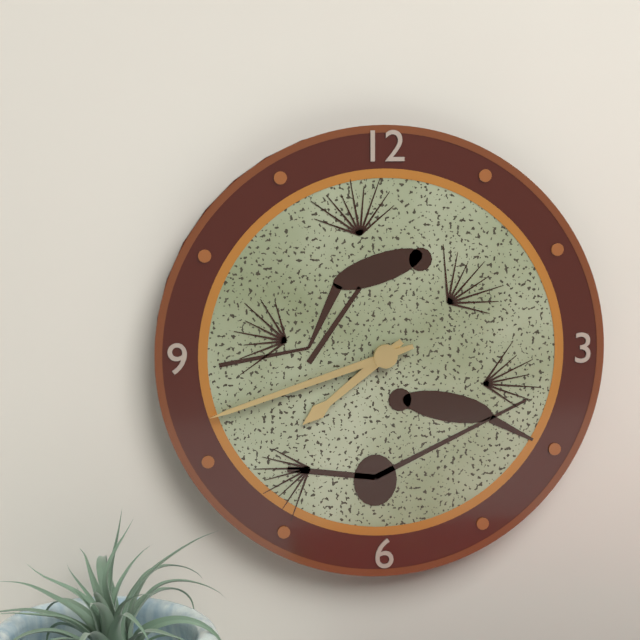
7:42
